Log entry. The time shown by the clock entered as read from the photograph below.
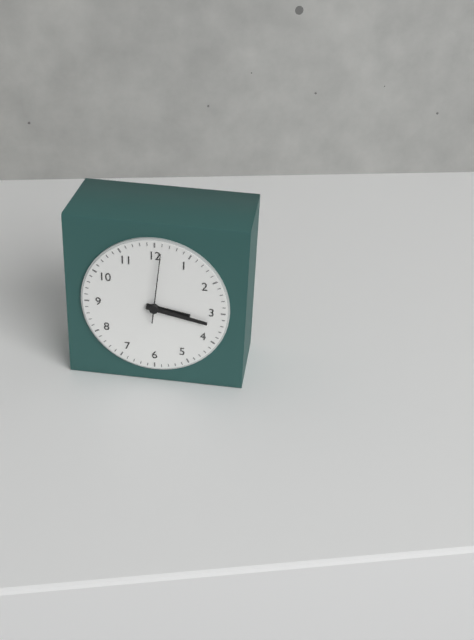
3:17:01
